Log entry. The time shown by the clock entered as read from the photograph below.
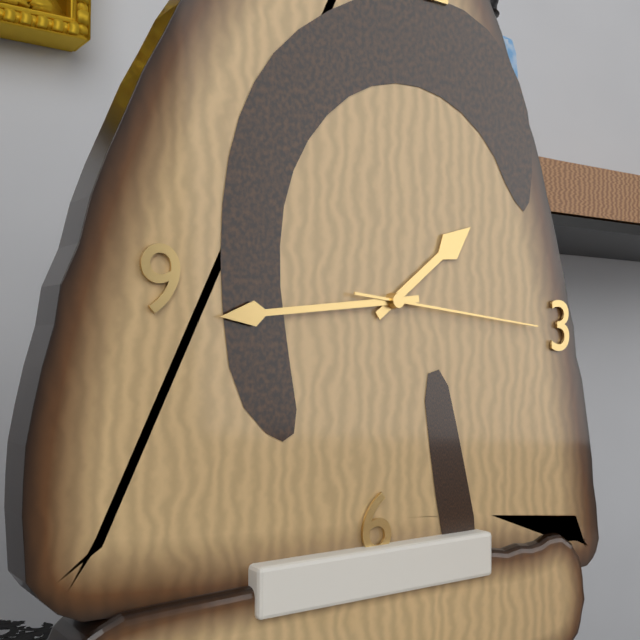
1:44:16
